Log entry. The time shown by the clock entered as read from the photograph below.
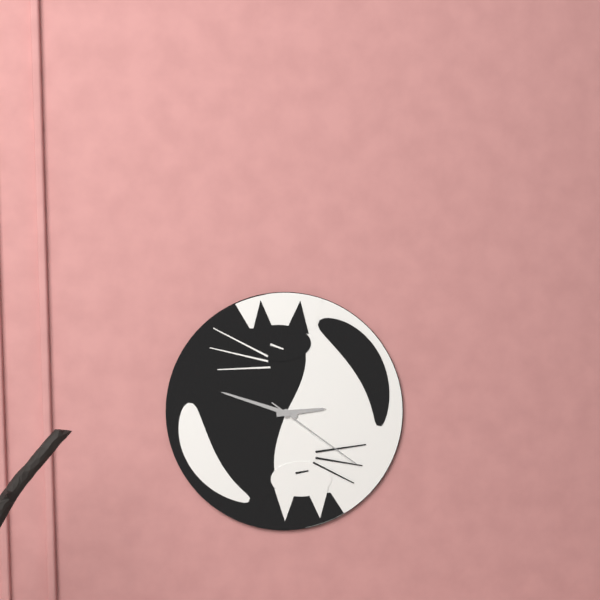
2:48:21
